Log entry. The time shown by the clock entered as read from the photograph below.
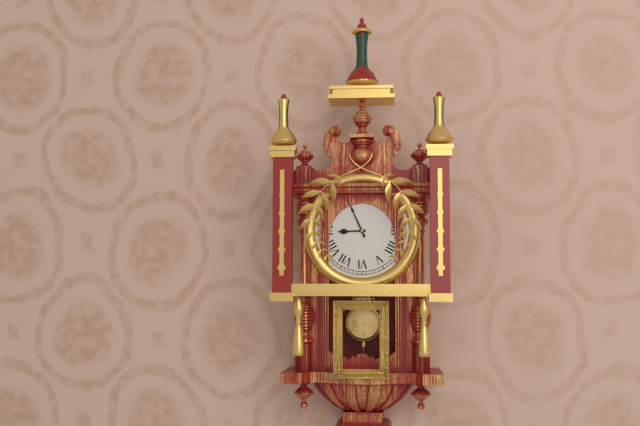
8:56
